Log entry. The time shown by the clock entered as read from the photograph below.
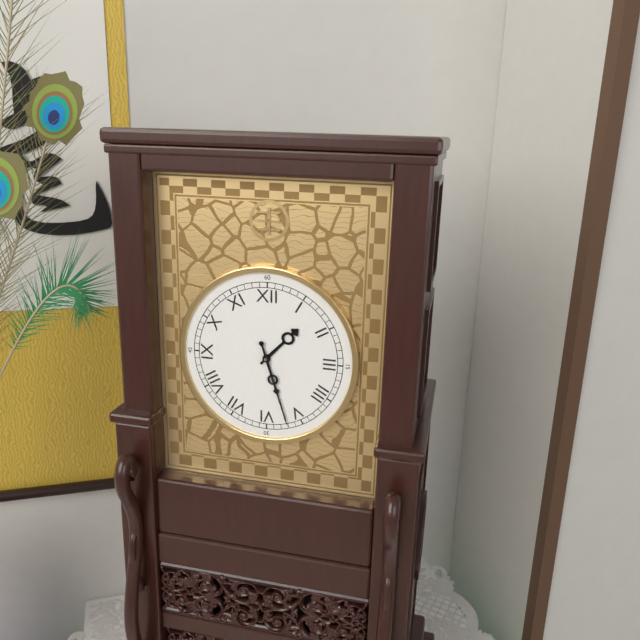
1:27
